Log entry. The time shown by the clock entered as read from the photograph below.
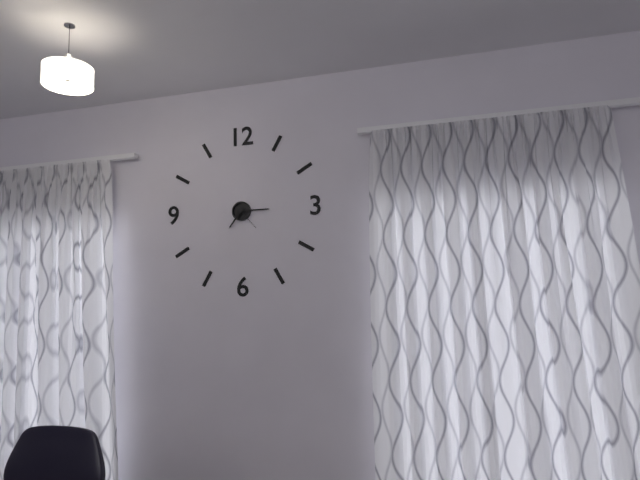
7:15
